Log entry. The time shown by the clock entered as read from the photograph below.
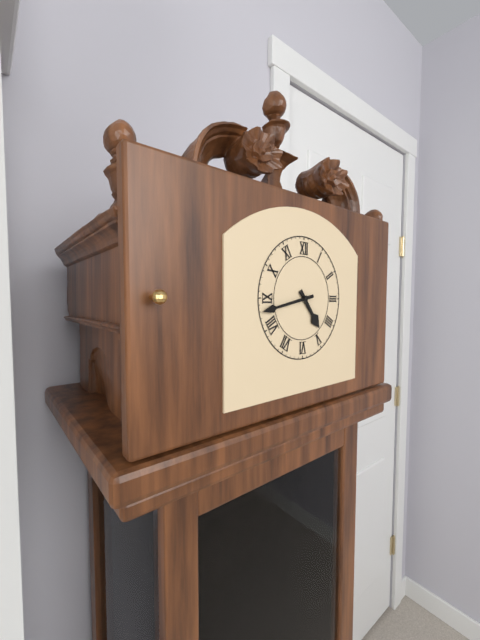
4:43
